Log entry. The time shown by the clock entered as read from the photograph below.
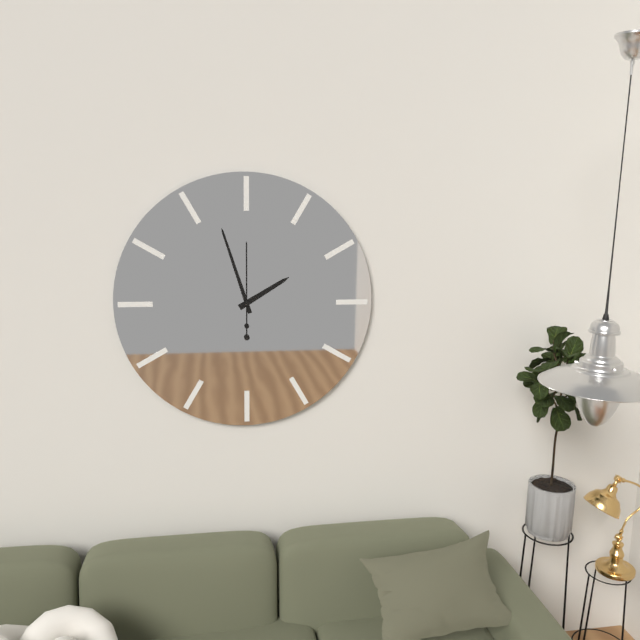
1:57:00
